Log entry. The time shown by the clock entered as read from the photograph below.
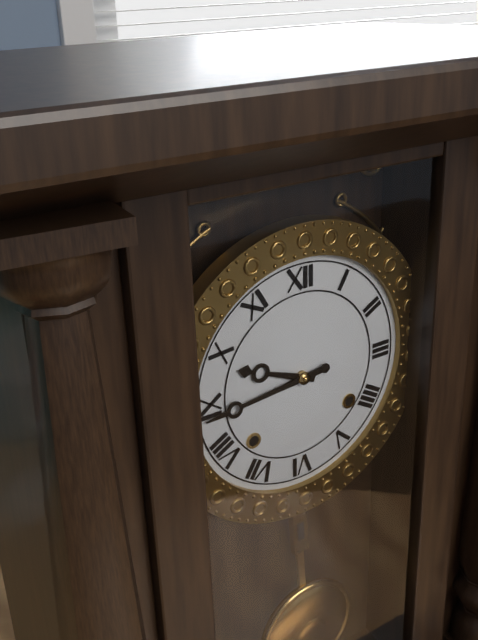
9:44
